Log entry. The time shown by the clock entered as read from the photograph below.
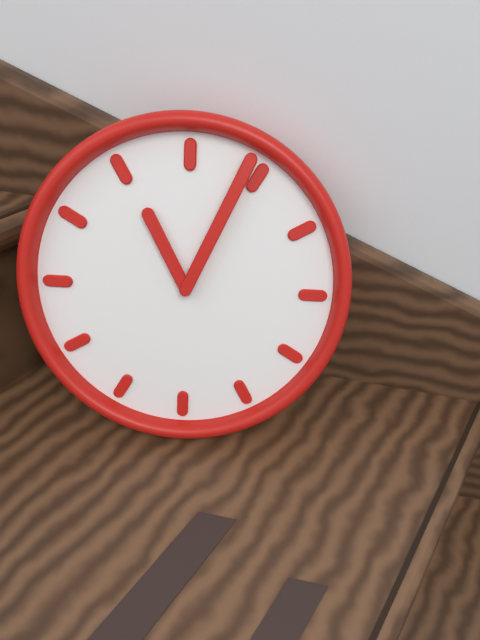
11:04
